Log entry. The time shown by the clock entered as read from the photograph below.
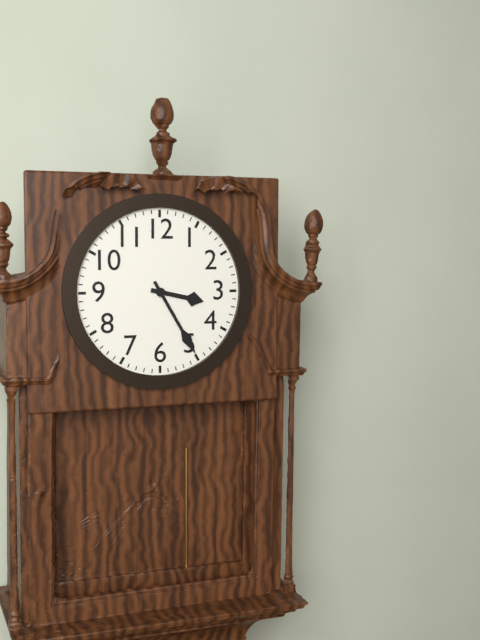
3:25
